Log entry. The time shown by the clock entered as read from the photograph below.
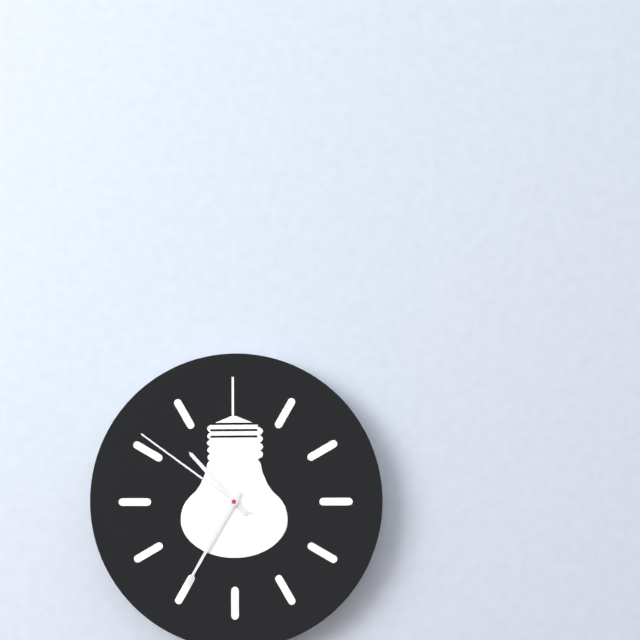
10:35:51
